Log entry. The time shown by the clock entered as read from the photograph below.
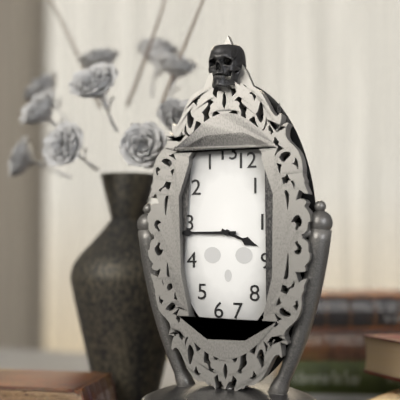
3:45
